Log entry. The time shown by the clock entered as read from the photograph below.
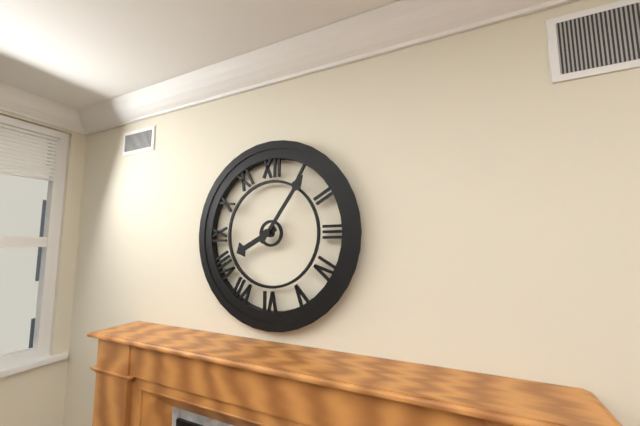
8:06
